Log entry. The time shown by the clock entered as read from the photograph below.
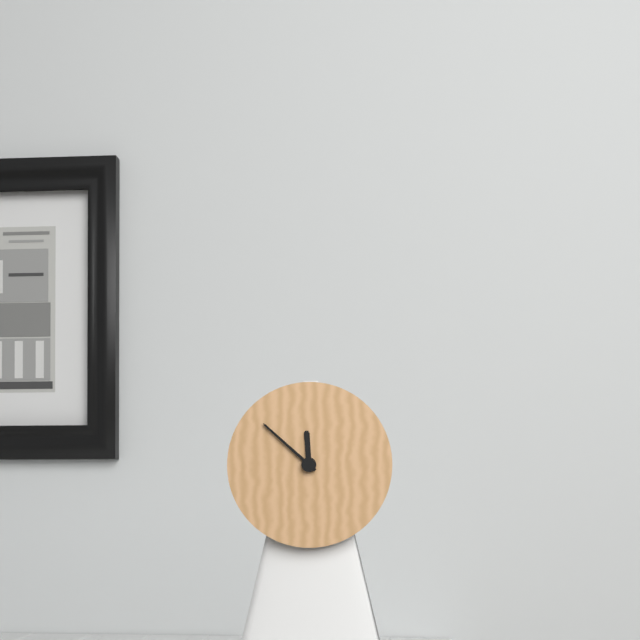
11:52
